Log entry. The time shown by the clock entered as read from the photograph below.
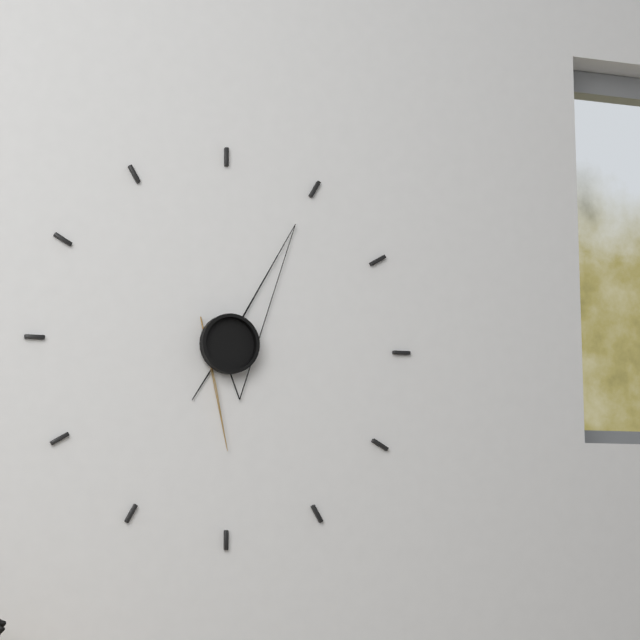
7:05:30
